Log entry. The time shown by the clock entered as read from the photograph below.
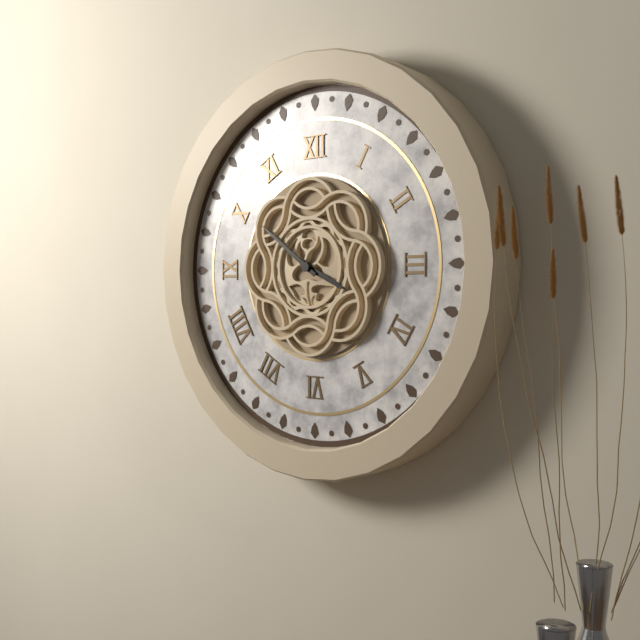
3:51
